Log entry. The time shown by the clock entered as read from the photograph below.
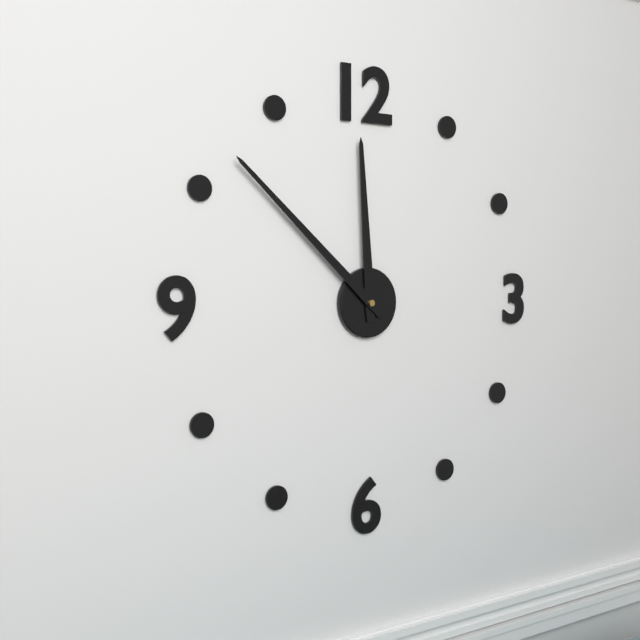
11:52
